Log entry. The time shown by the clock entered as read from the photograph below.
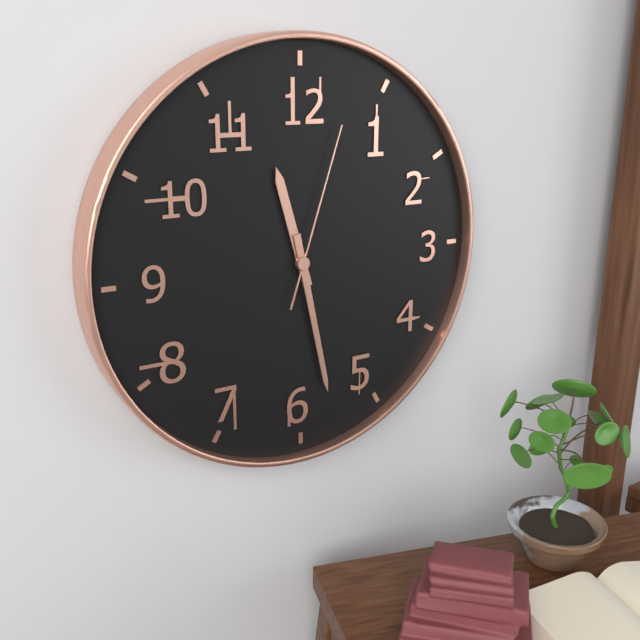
11:28:03
